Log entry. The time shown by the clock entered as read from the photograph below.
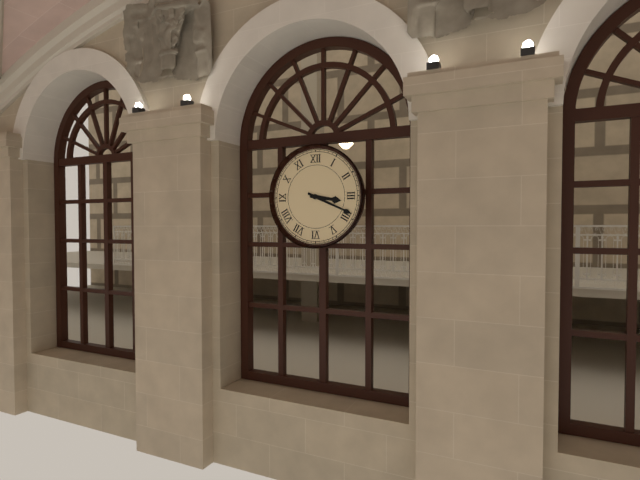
3:19
